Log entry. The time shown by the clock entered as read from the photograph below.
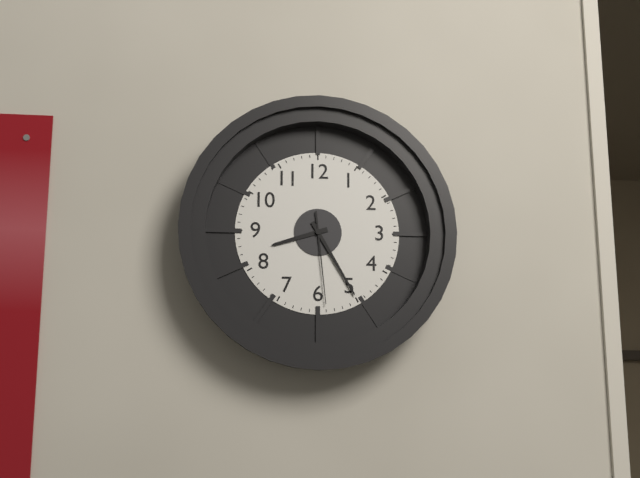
8:25:29
